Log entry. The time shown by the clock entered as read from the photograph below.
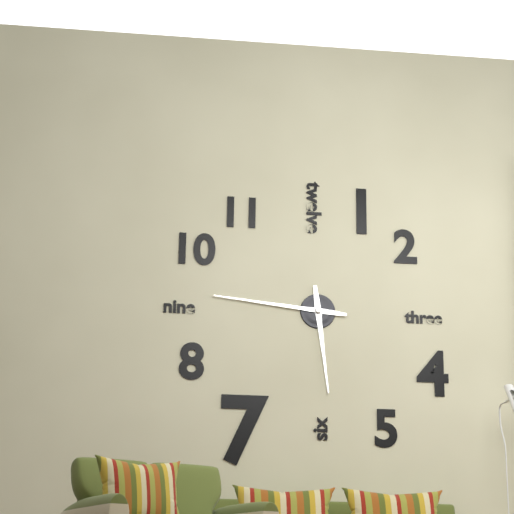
5:46
